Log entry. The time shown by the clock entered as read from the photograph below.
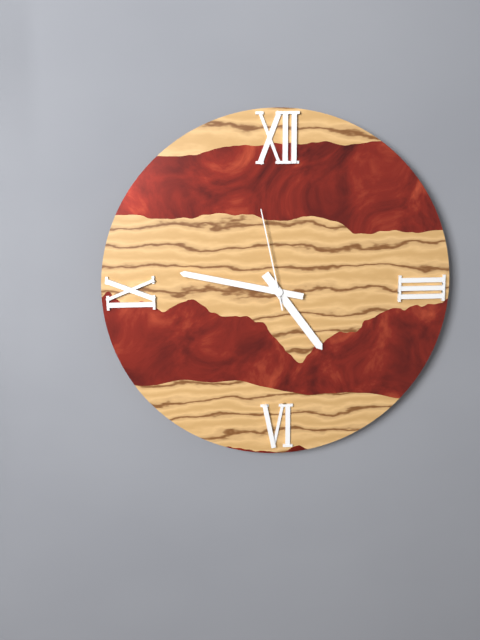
4:47:58
